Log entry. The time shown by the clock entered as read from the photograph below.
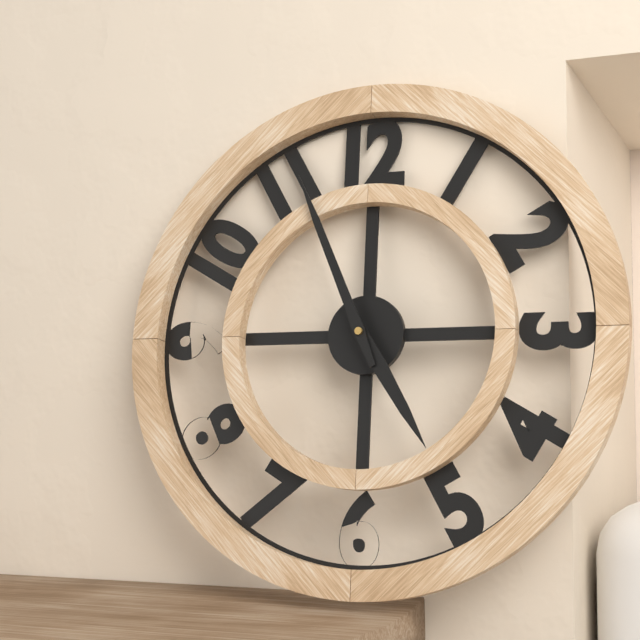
4:56
